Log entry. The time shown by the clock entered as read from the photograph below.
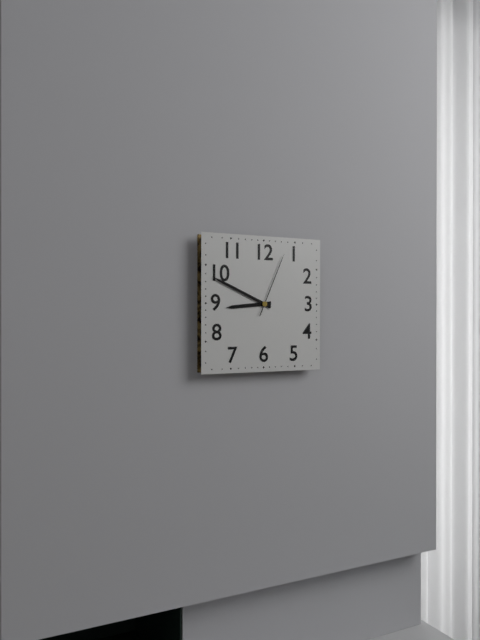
8:49:04
